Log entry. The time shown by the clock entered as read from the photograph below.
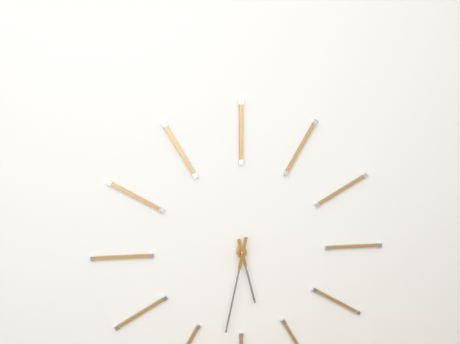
5:32
